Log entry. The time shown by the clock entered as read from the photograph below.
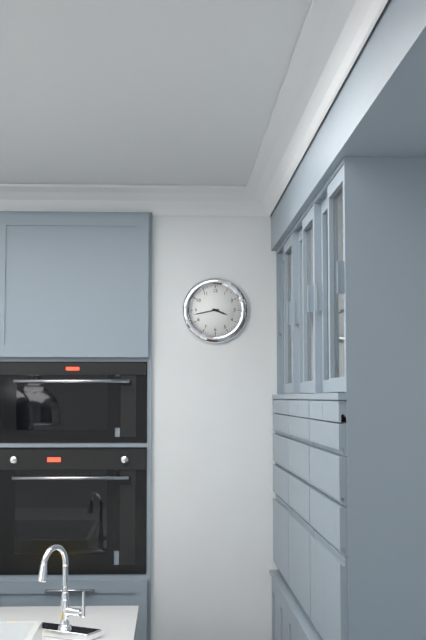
3:43
